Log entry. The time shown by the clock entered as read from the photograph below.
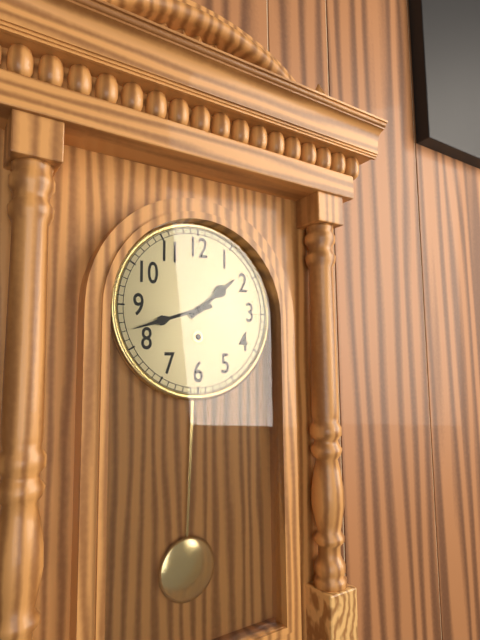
1:42
